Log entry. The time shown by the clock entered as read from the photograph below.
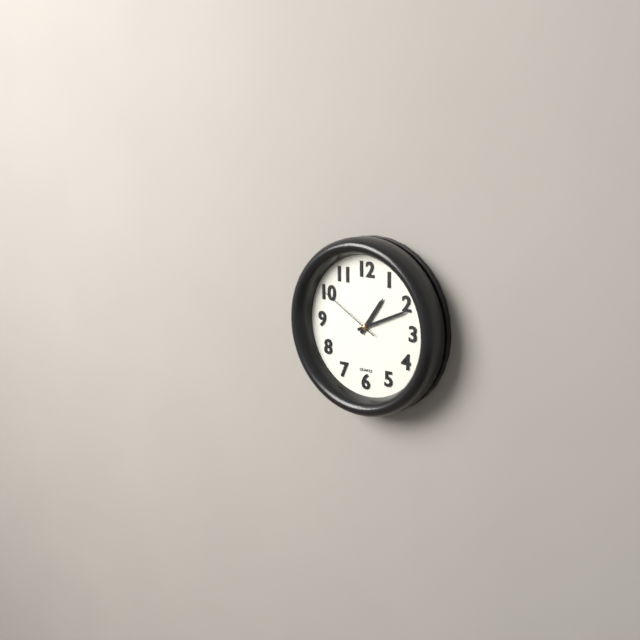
1:11:50
